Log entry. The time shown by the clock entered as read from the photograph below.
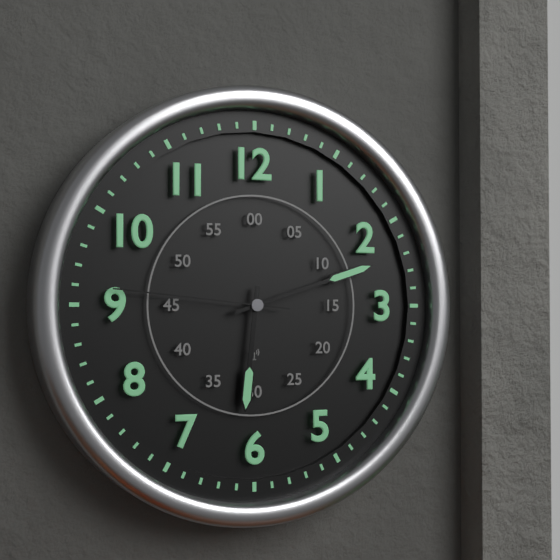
6:12:46
